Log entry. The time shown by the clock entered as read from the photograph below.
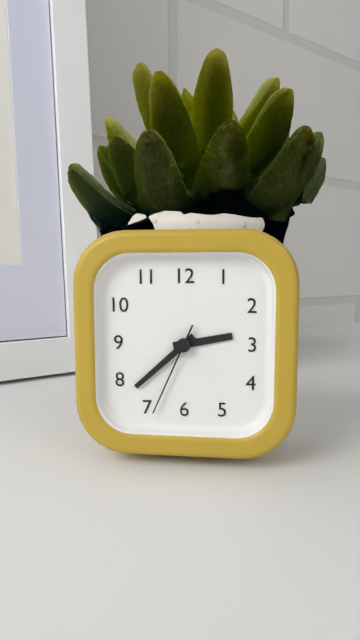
2:38:34
